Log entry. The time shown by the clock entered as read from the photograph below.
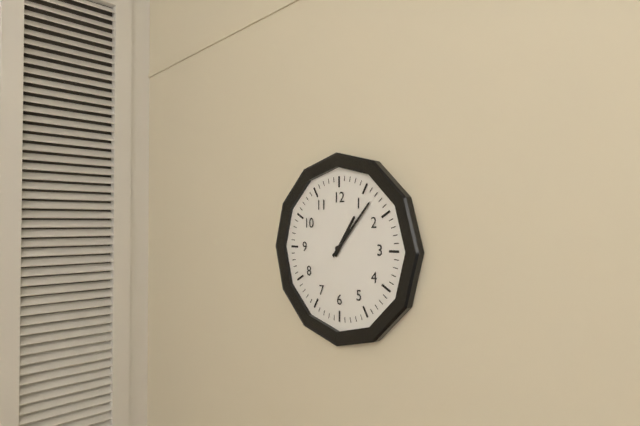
1:07
